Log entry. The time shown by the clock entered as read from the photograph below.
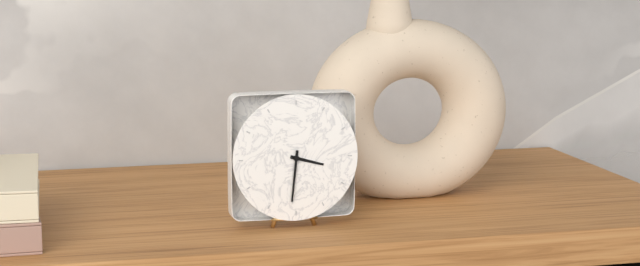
3:31
